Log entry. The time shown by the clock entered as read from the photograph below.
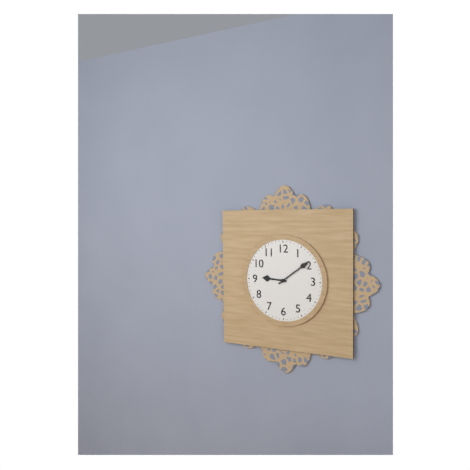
9:09
